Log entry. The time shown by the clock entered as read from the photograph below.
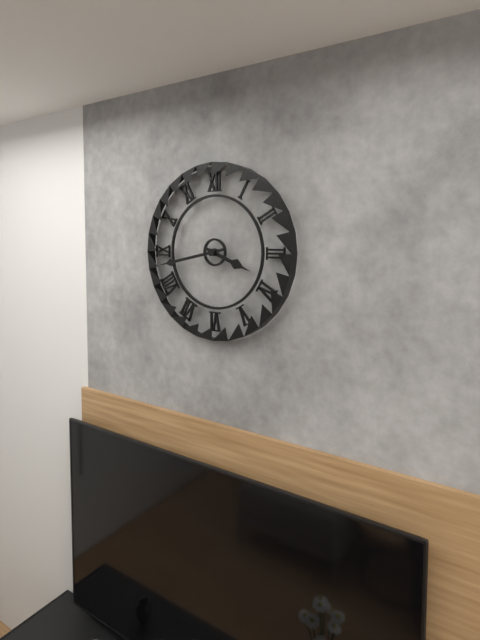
3:43
